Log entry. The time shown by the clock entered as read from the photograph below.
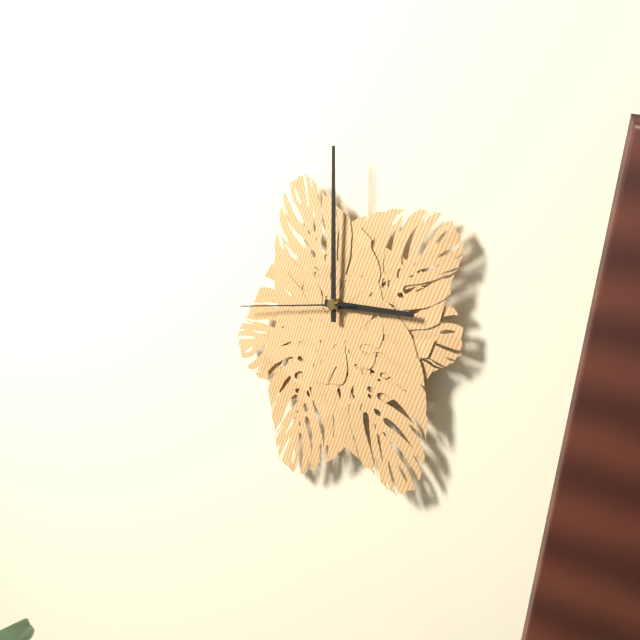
3:00:44
